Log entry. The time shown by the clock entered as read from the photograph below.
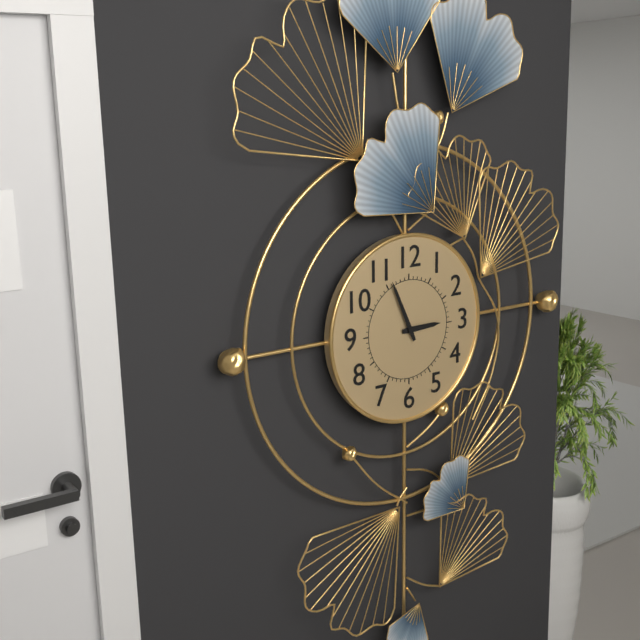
2:56
